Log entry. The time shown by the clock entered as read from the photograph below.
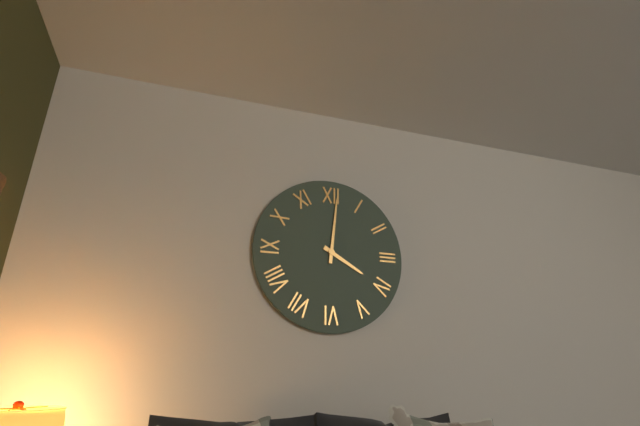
4:01
